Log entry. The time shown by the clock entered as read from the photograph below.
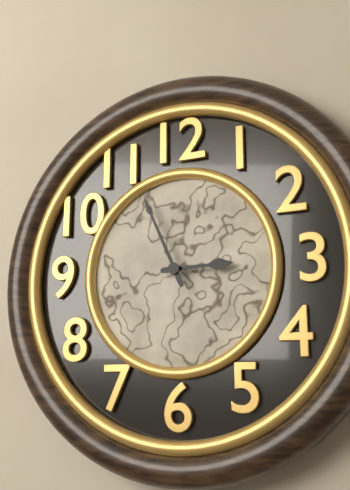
2:56
